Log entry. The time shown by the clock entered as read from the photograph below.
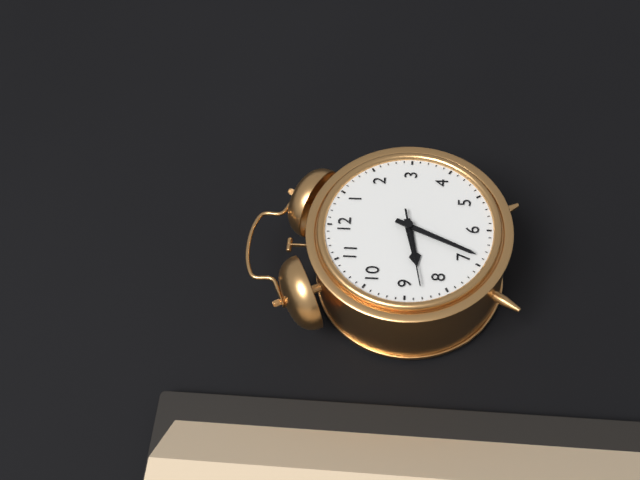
8:34:43
